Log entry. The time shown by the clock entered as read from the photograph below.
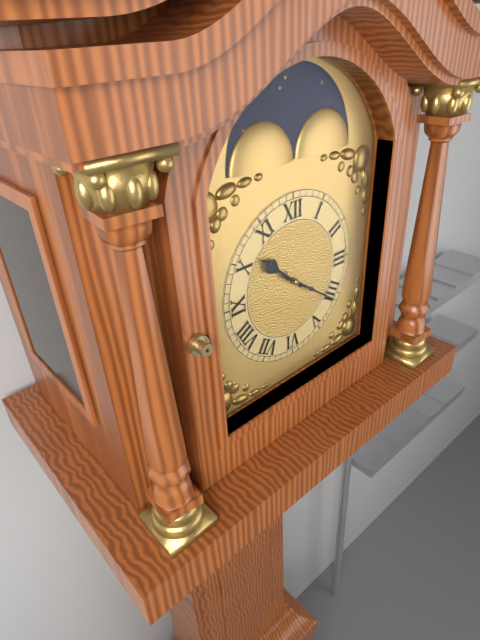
10:21
